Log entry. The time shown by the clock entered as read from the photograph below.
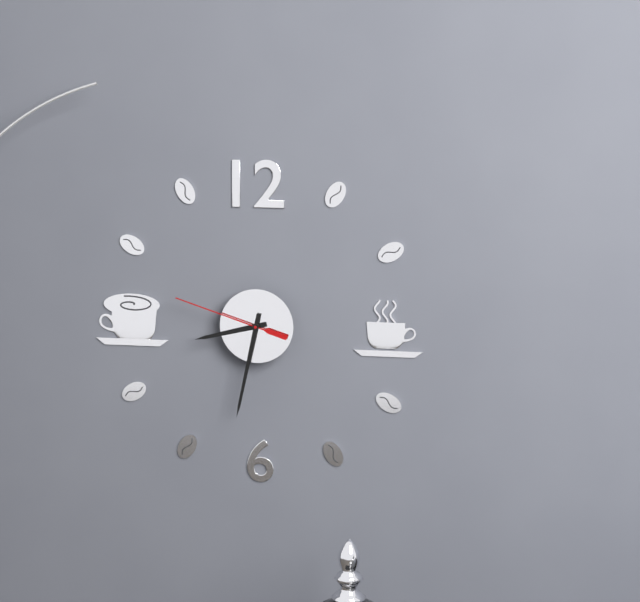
8:32:48
